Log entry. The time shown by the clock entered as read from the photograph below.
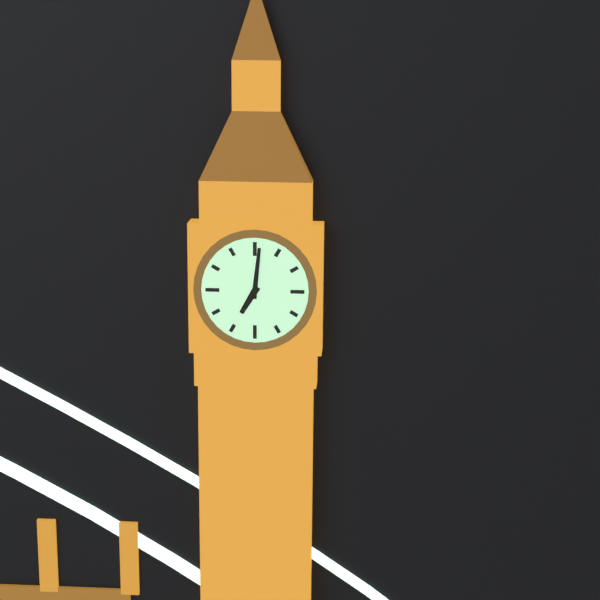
7:01
